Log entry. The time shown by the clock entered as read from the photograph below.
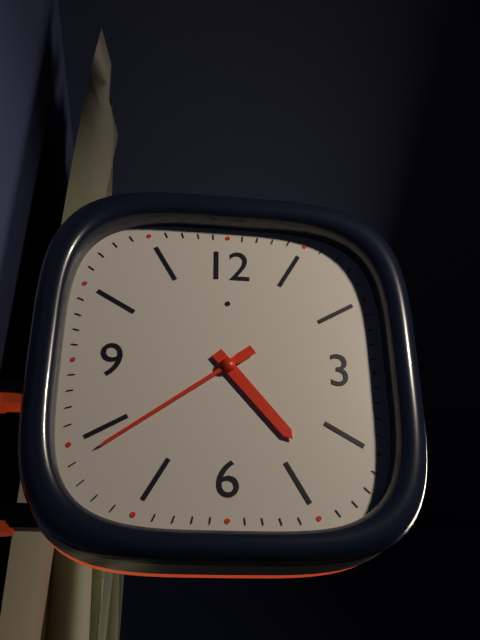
4:39
